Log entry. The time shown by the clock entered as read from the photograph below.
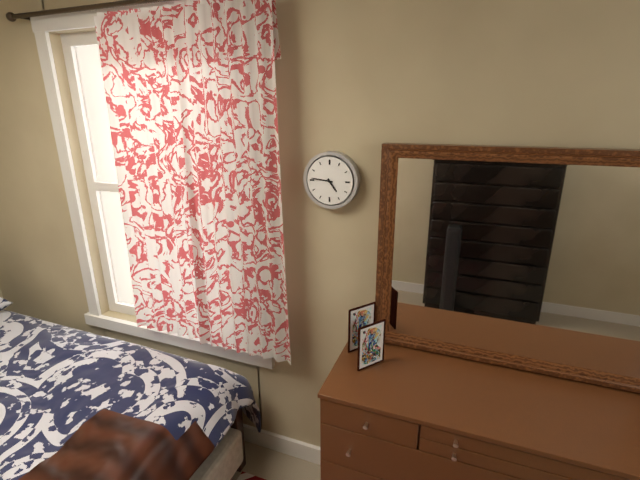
4:46
